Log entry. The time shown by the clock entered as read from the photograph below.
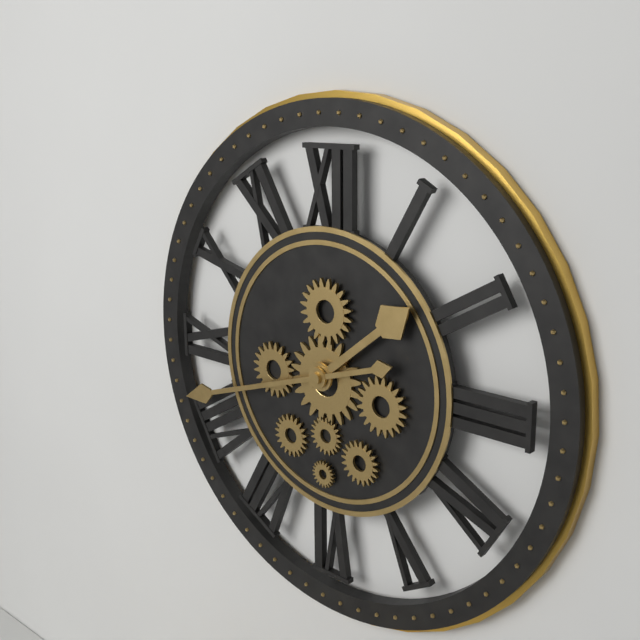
1:42
